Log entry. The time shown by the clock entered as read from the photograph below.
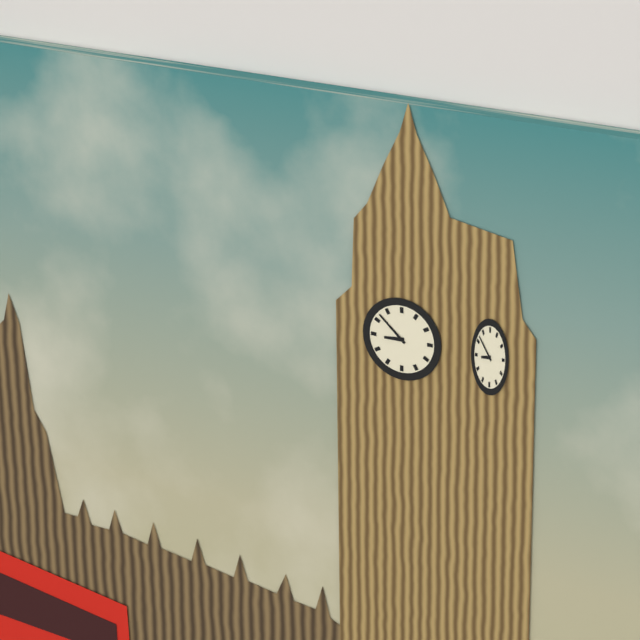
8:52
